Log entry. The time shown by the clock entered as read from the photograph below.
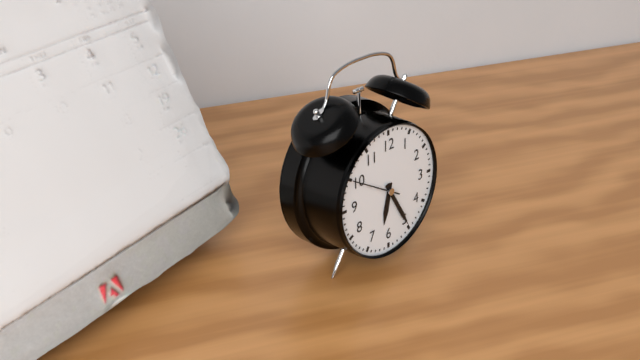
6:25
